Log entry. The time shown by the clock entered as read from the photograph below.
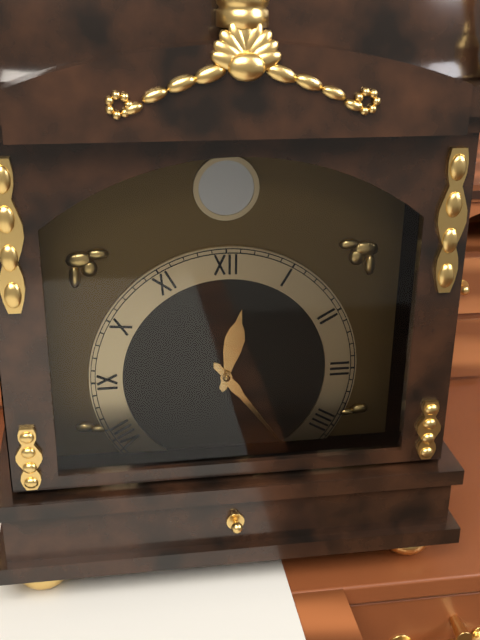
12:24
